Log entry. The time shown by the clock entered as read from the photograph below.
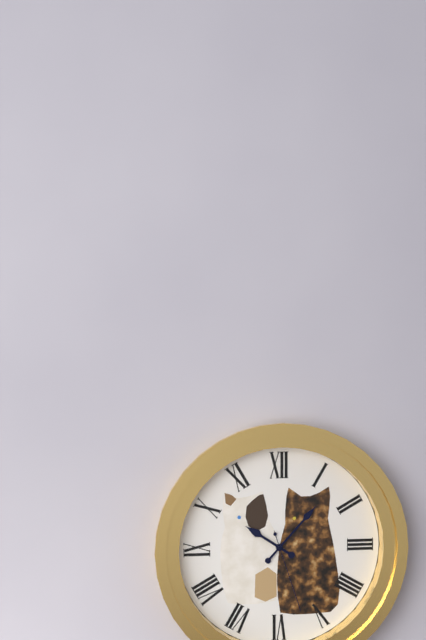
10:07:27
